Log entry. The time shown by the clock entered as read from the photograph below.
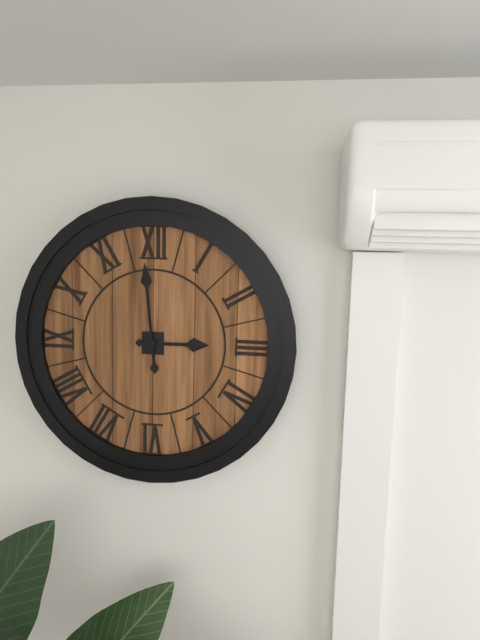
2:59
